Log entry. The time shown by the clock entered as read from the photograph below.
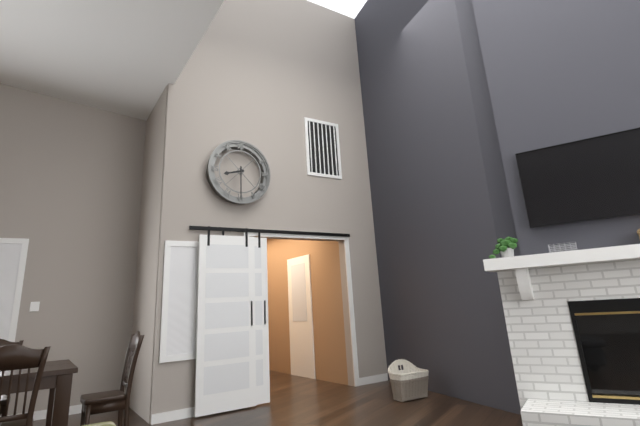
8:30
